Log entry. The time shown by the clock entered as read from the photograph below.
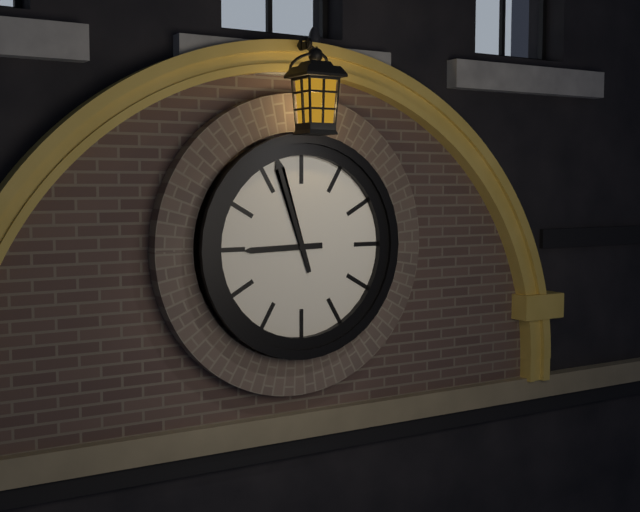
8:57
